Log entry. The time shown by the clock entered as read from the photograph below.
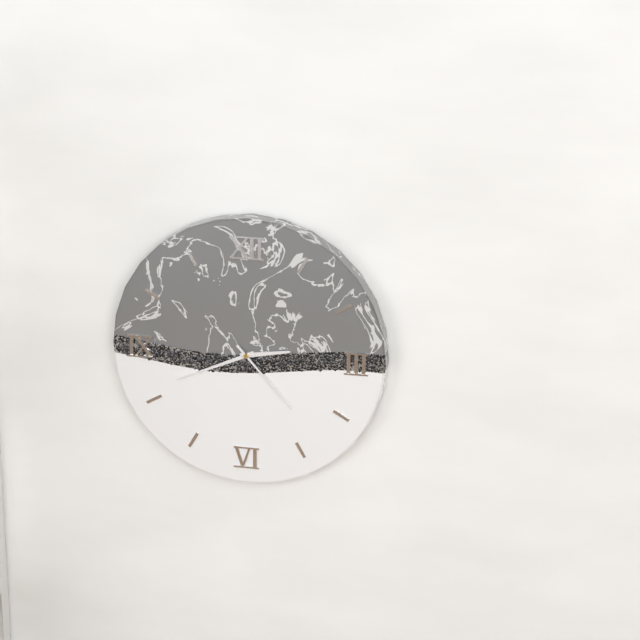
2:41:23
